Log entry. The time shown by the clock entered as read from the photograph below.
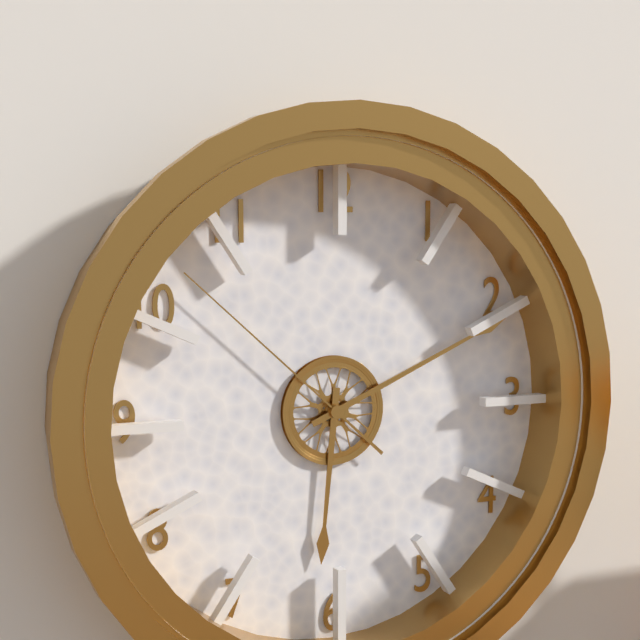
6:11:52
